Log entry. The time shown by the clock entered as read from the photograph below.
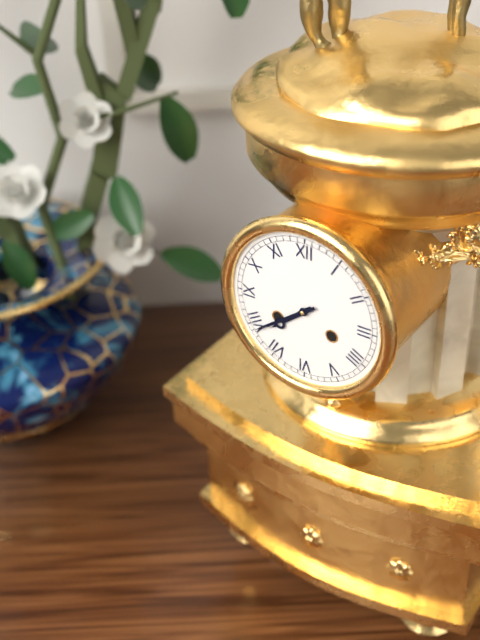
7:39
